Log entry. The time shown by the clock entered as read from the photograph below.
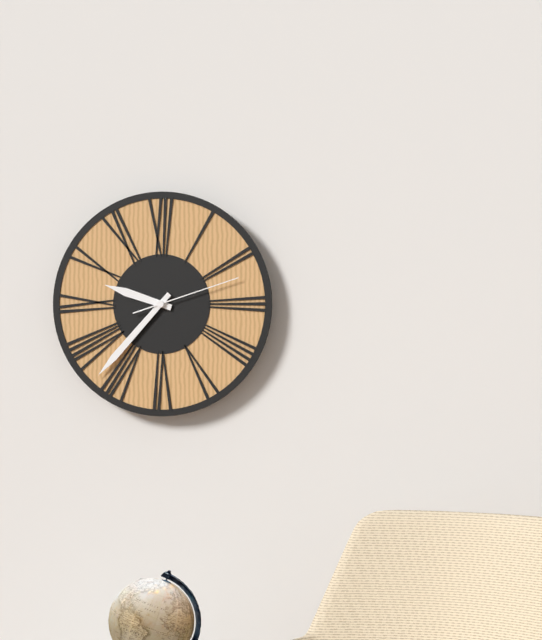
9:37:12
